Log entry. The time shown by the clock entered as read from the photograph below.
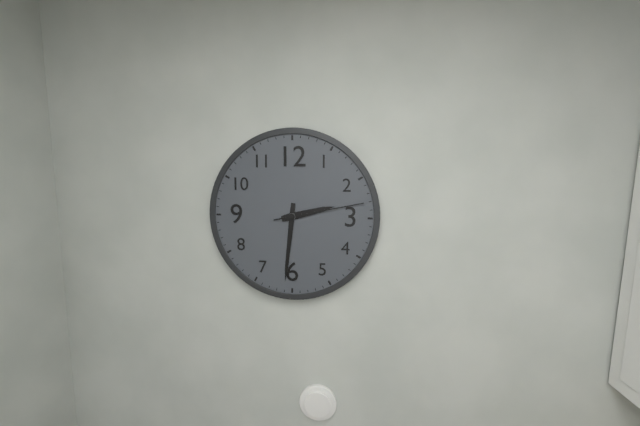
2:31:13
